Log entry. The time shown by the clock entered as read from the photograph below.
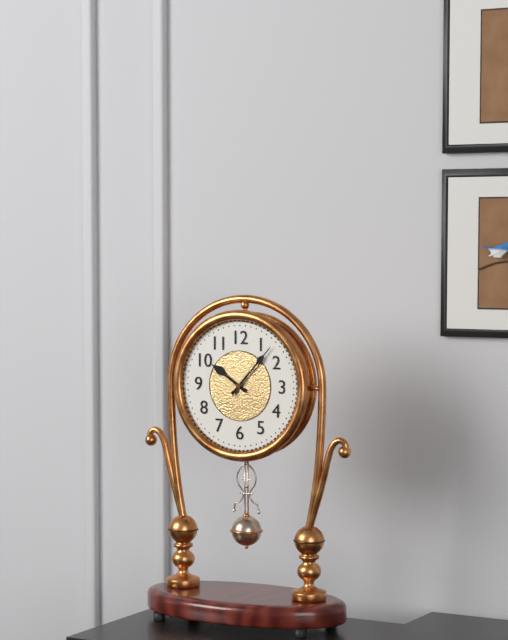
10:07
